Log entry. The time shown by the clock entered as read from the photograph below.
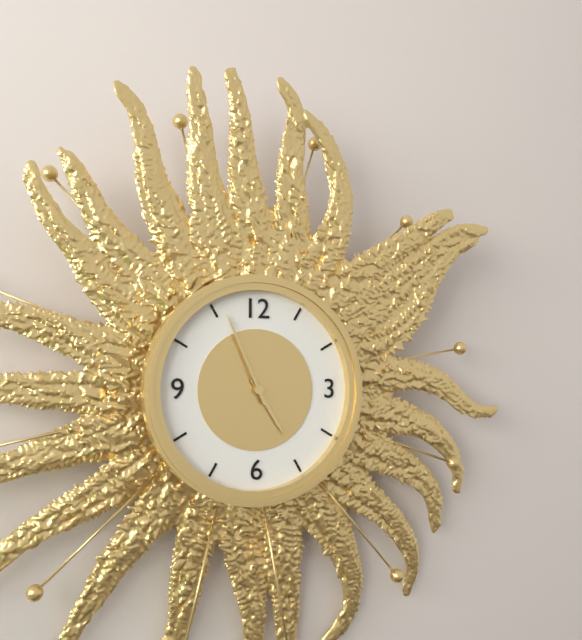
4:56
